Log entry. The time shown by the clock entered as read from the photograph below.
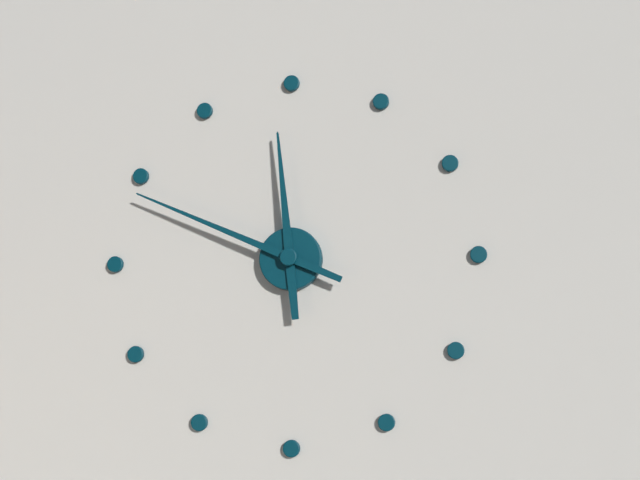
11:49
